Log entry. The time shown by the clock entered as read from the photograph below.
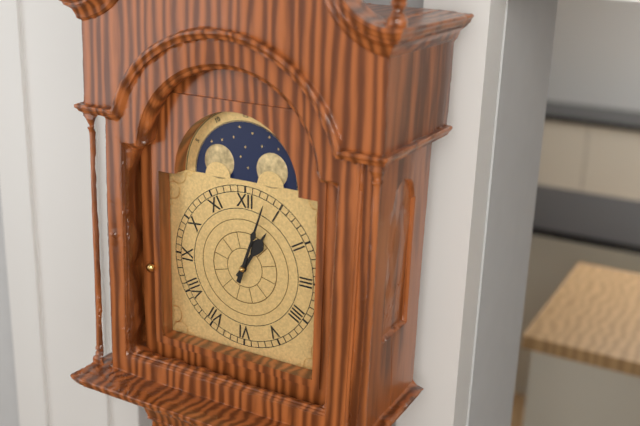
1:03
